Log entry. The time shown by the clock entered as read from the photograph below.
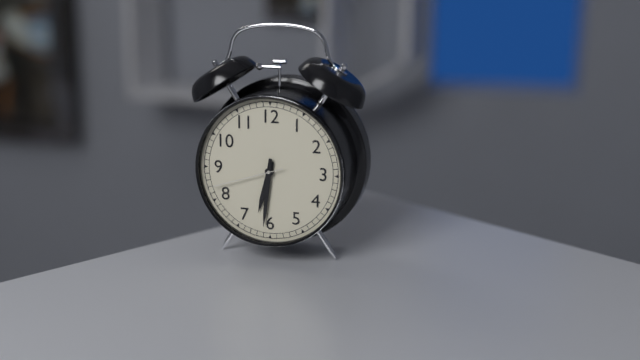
6:31:42
